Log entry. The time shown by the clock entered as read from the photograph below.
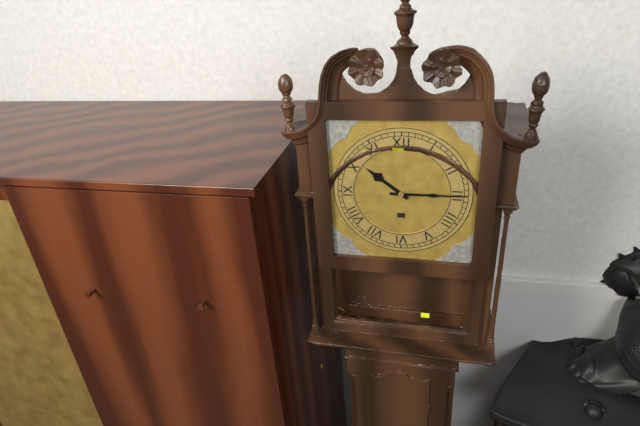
10:15
